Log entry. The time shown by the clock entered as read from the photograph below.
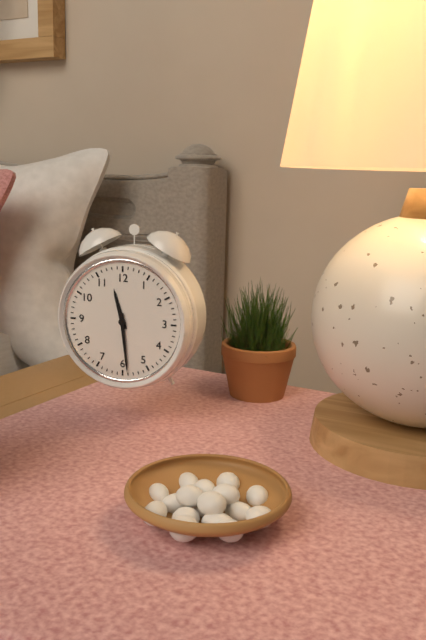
11:29
